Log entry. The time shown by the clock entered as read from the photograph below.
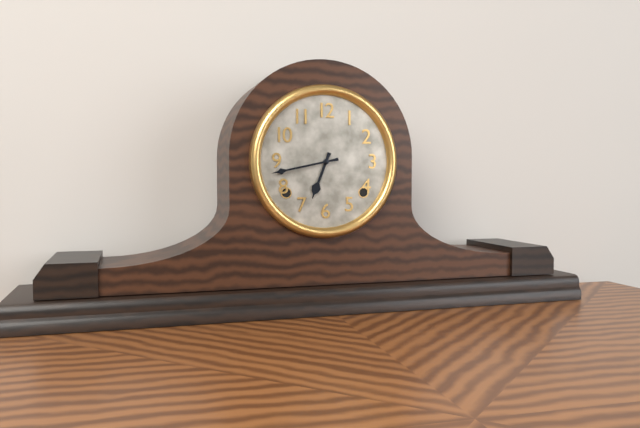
6:43
